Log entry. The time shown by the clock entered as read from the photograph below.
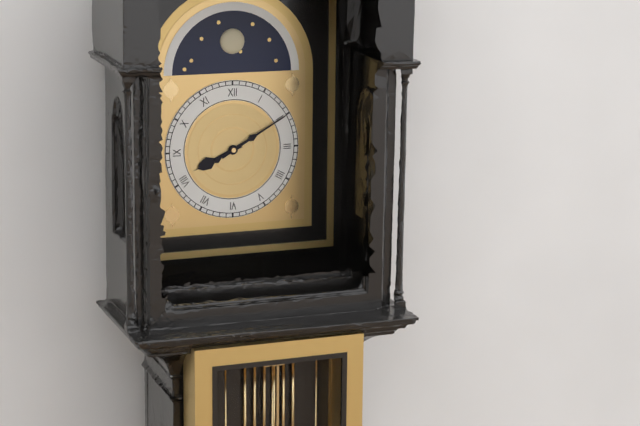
8:10
